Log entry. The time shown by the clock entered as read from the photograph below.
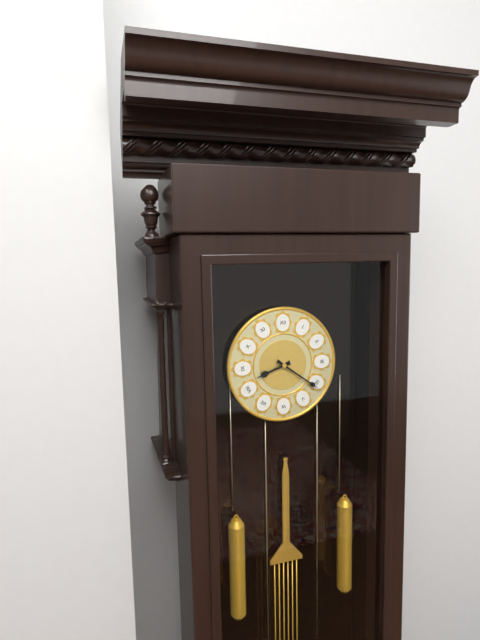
8:21
